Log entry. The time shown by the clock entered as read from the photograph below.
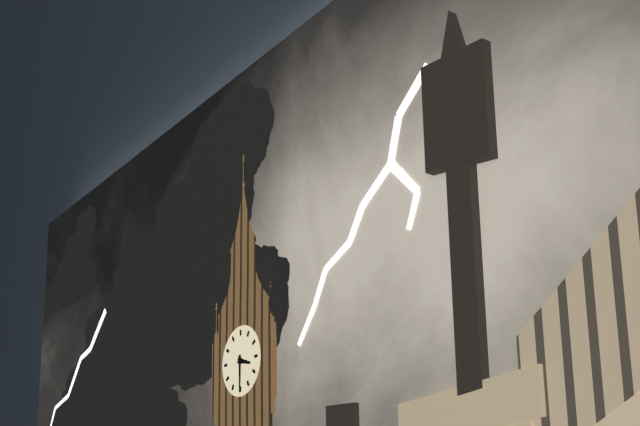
3:30
